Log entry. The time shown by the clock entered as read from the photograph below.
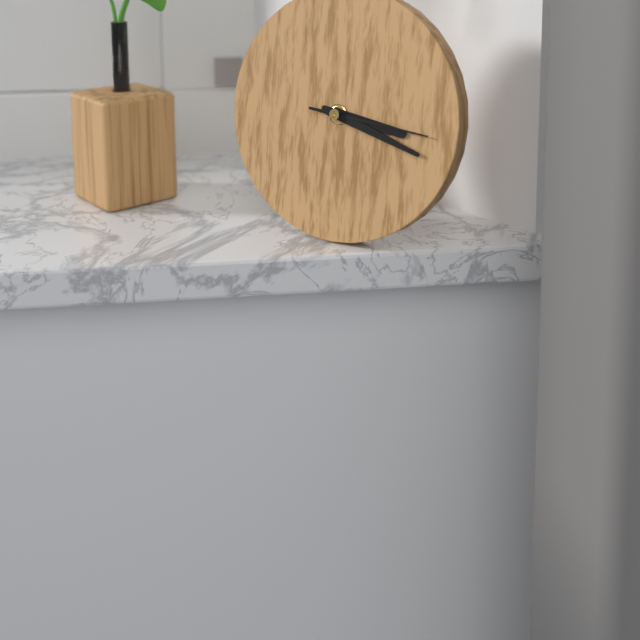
3:18:16
